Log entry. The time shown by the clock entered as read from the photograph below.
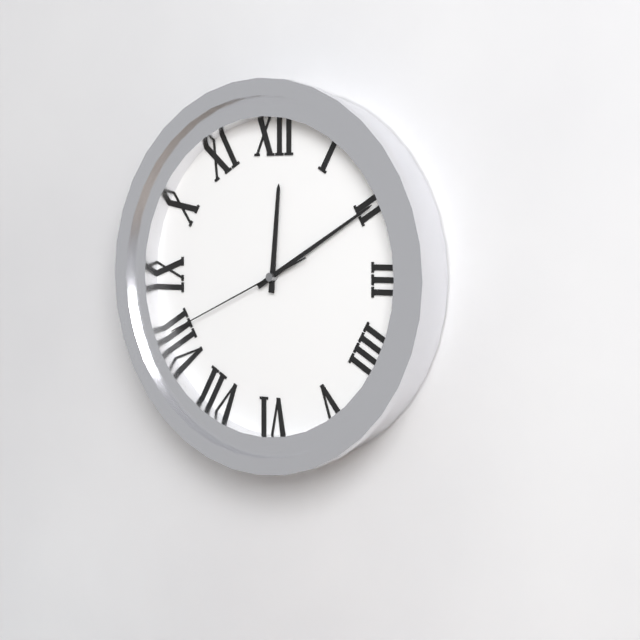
12:10:41
